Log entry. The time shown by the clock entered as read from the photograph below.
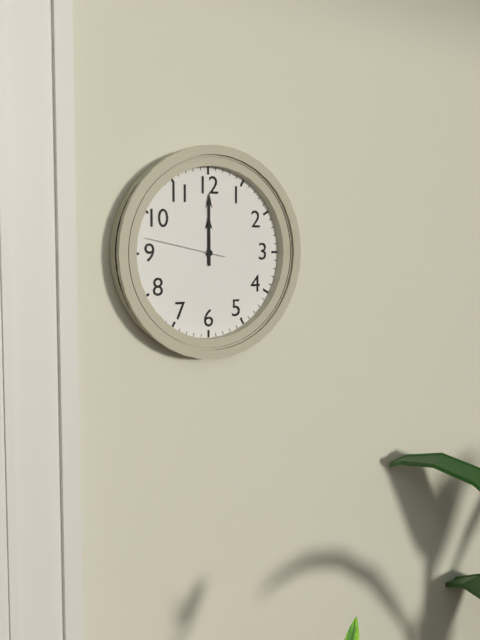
12:00:47
